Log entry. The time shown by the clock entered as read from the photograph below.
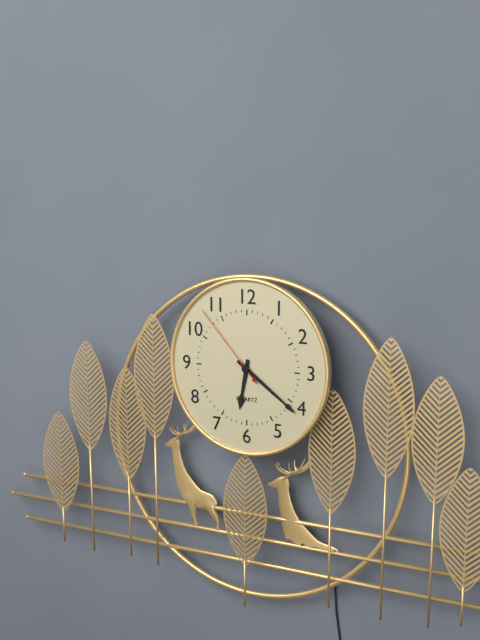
6:21:53
